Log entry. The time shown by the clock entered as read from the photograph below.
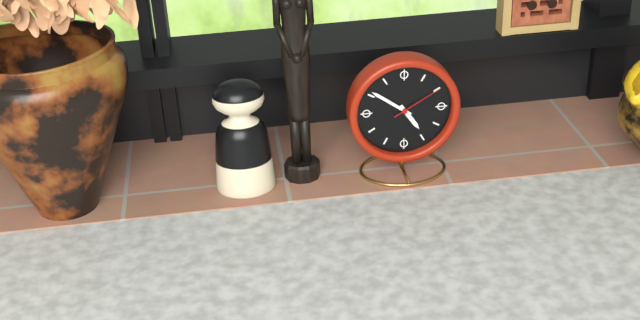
4:51:10
